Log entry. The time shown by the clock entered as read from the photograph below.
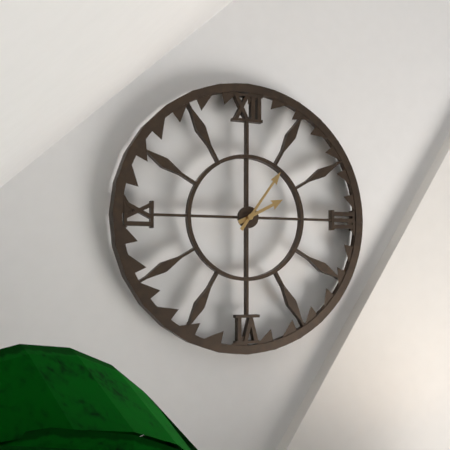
2:06
